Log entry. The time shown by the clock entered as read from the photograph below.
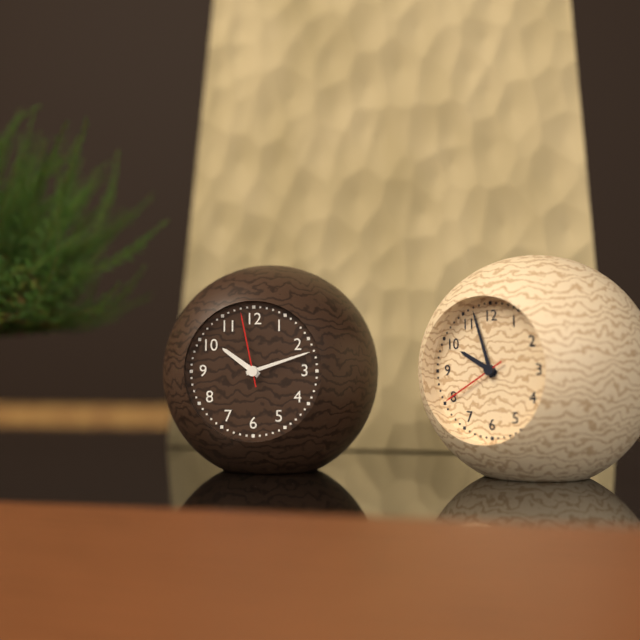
10:12:58
